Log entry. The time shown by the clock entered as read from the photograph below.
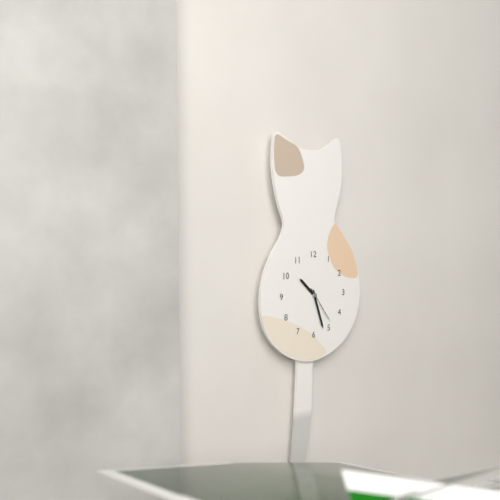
10:27
